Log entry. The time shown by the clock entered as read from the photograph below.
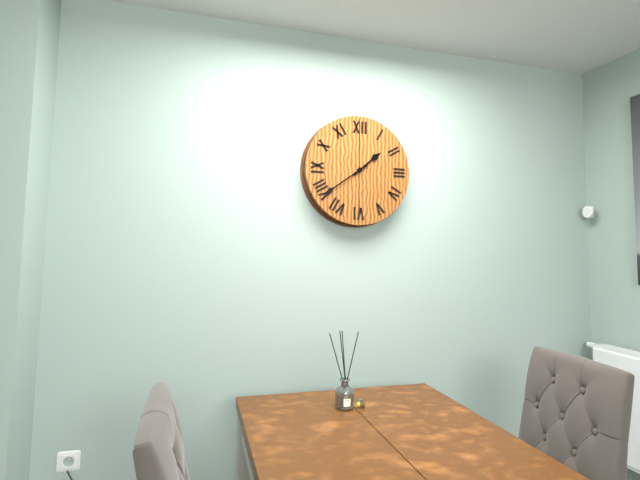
1:39
